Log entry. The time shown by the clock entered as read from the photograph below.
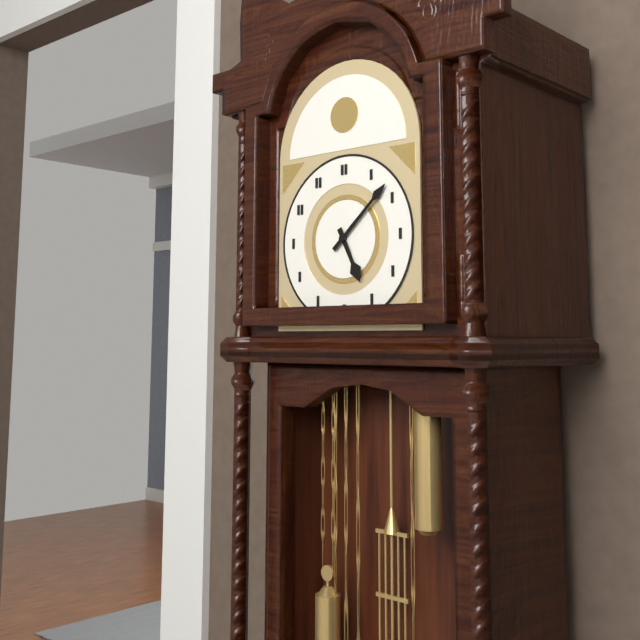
5:08
